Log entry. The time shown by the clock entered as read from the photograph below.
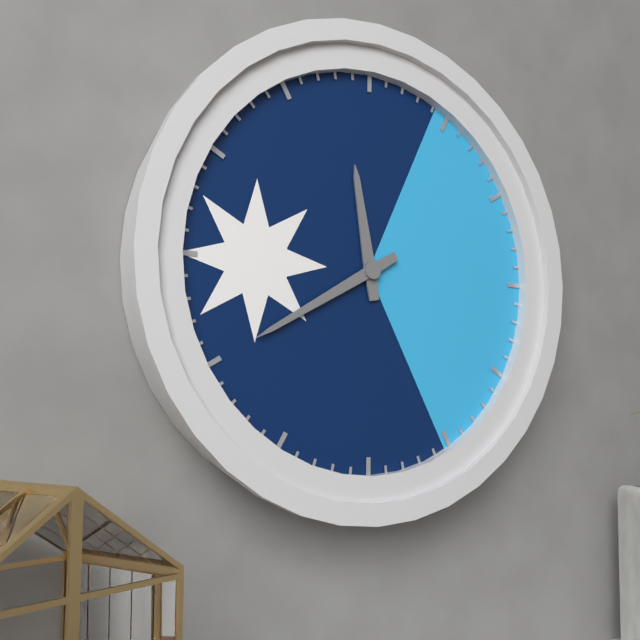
11:40
